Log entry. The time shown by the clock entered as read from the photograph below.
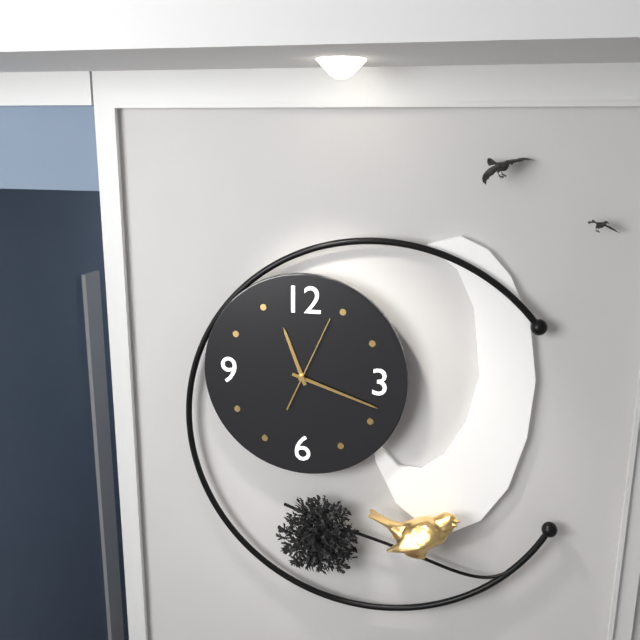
11:18:04
